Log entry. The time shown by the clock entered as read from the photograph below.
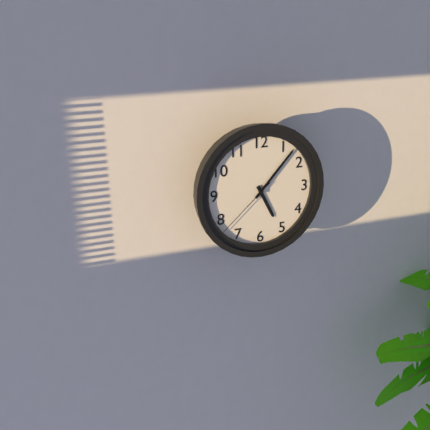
5:07:38
